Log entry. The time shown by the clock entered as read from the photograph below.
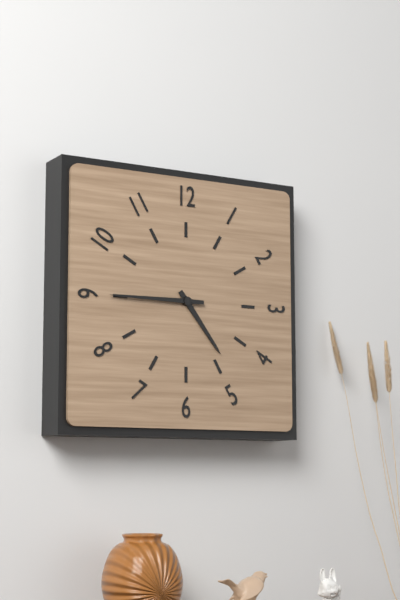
4:45
